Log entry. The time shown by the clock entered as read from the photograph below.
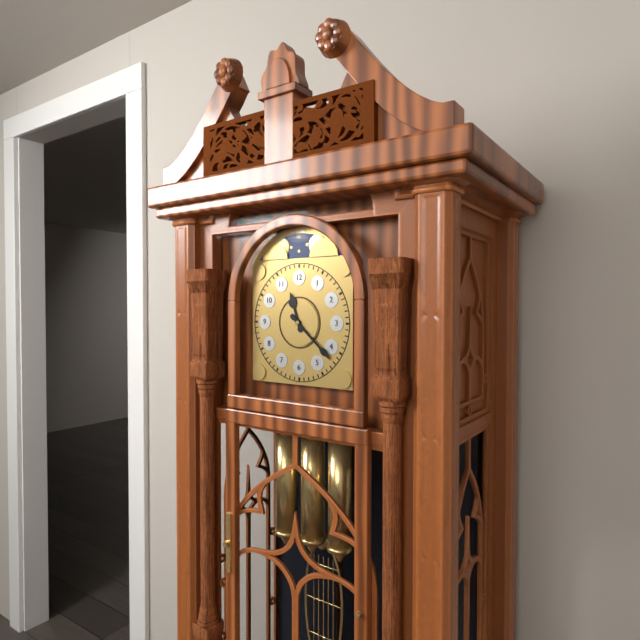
11:22
